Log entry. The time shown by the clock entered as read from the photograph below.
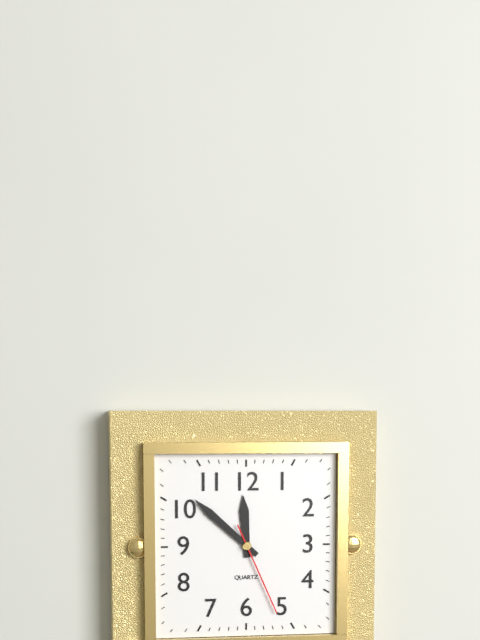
11:52:26
